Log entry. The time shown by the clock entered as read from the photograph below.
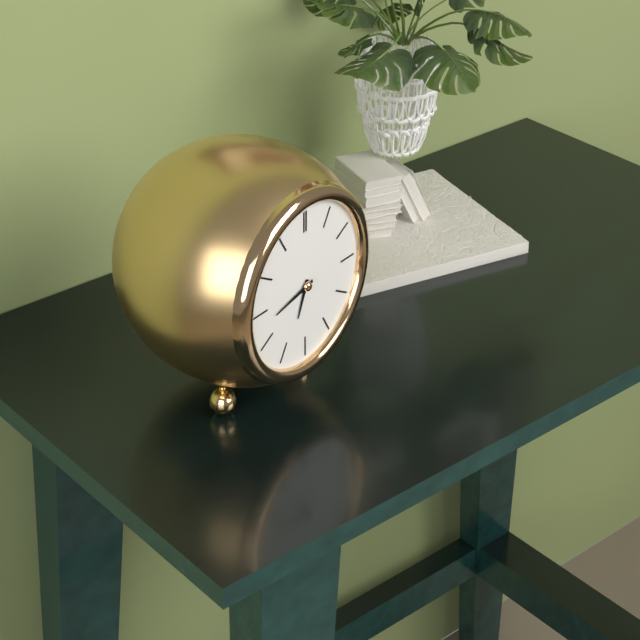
6:43
